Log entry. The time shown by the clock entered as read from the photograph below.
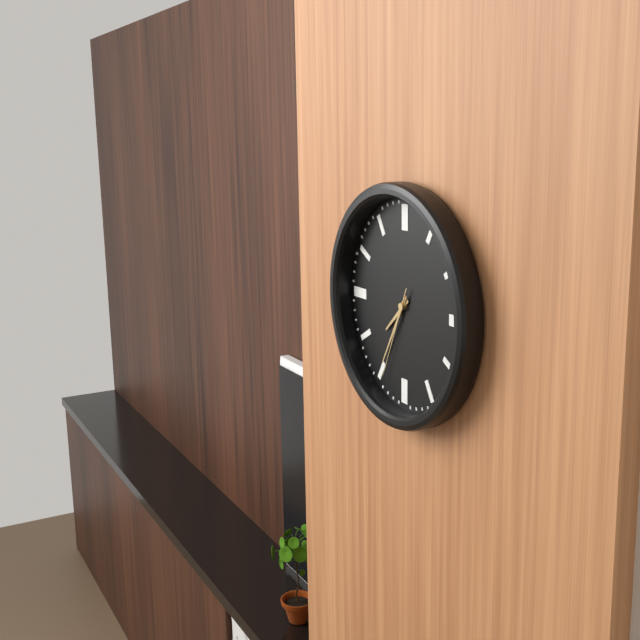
7:35:34
